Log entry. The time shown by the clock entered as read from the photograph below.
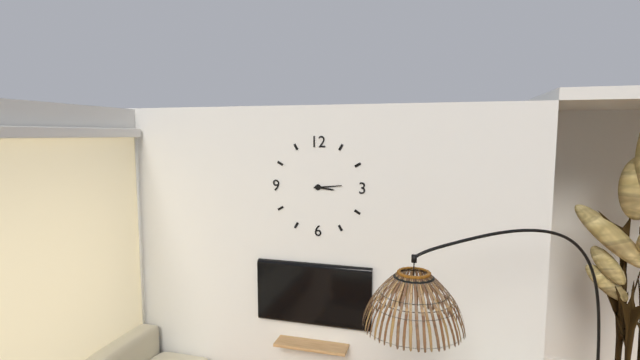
3:14
